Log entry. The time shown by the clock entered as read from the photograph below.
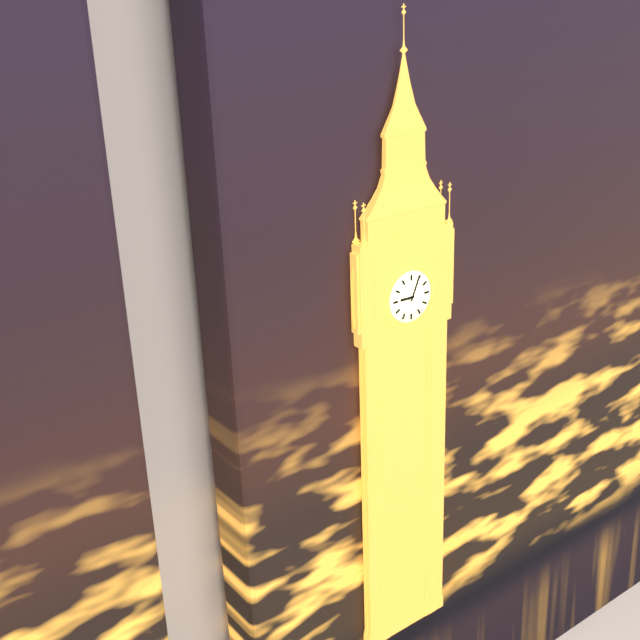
9:04
